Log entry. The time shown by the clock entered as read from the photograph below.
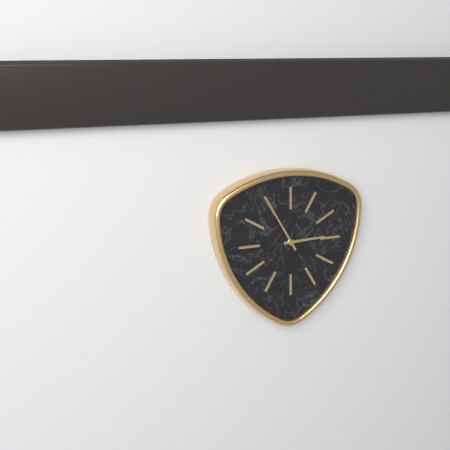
2:55
